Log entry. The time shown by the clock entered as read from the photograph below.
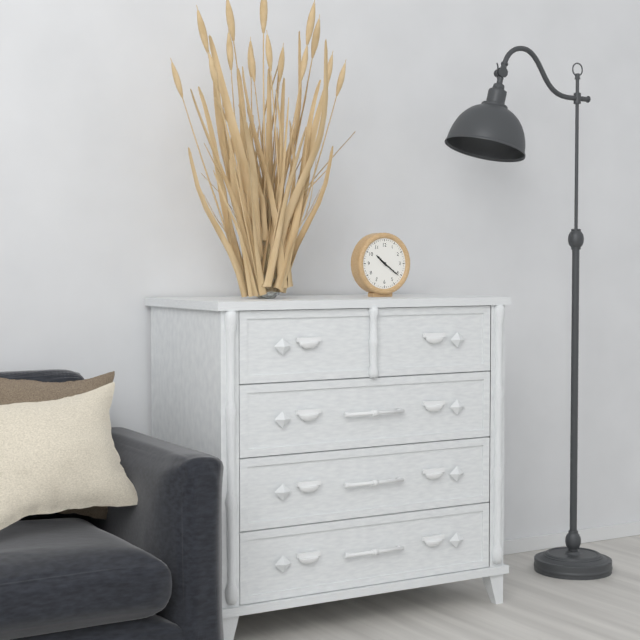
10:21
